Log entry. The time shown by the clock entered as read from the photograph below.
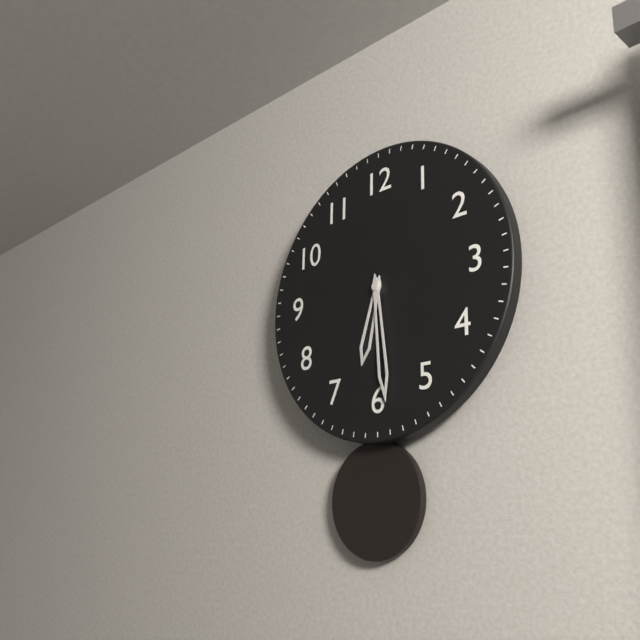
6:29
